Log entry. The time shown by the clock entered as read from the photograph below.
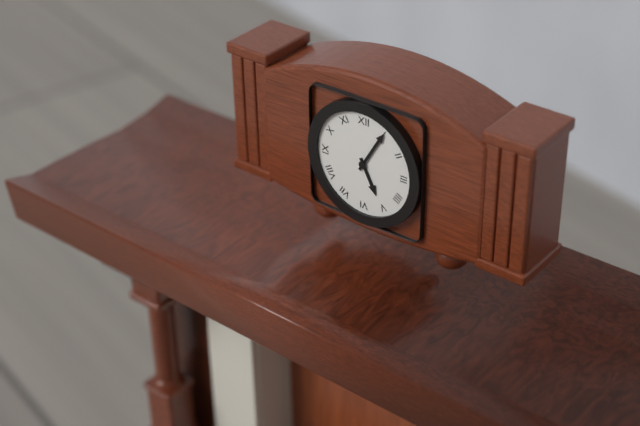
5:05
